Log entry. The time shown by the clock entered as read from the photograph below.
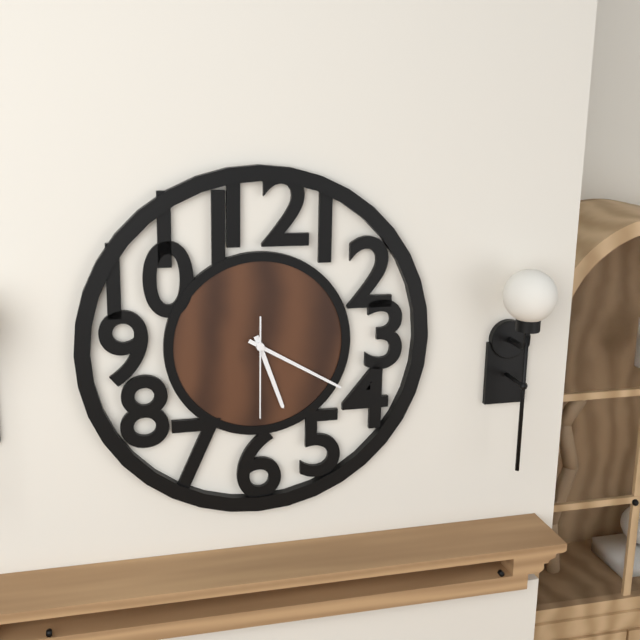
5:20:30
